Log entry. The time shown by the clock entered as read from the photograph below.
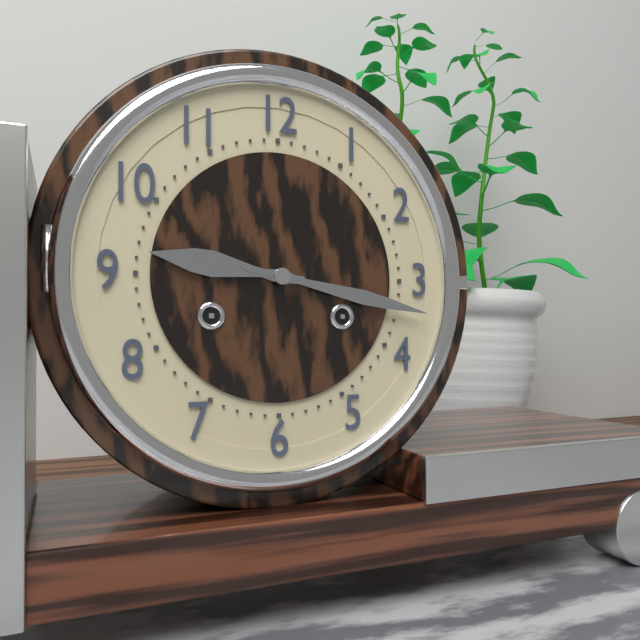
9:17
